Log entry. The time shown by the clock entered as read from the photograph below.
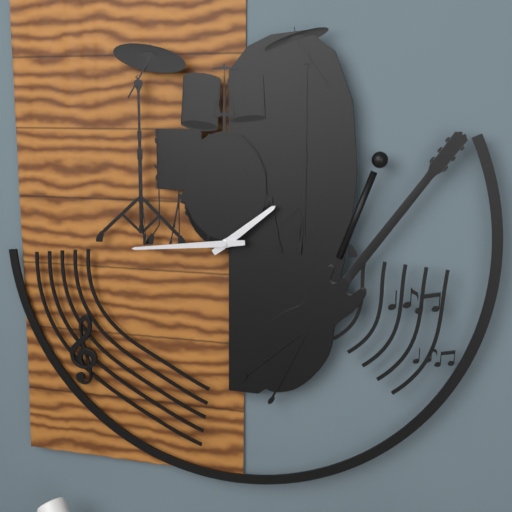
1:44
